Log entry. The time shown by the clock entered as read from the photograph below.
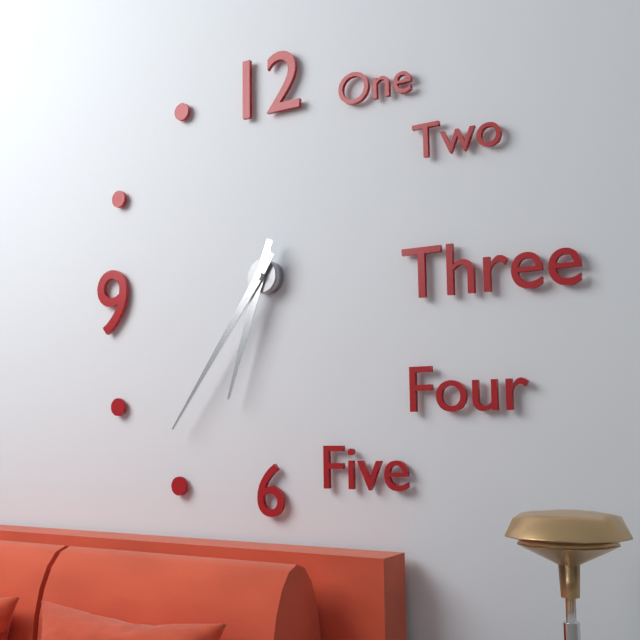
6:36
